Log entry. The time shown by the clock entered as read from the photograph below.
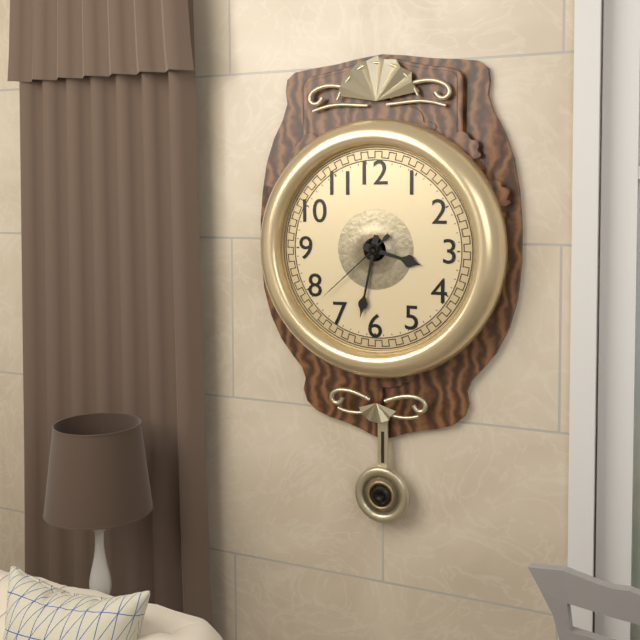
3:32:38
